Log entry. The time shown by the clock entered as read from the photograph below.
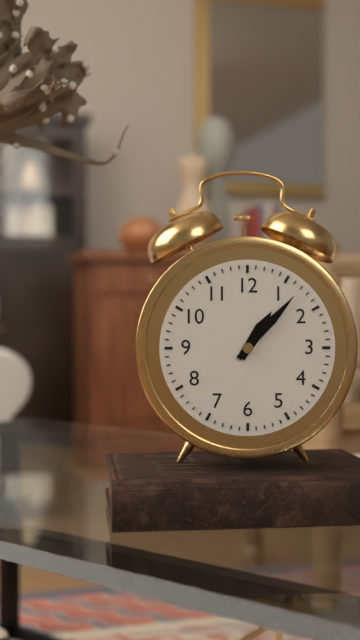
1:07
